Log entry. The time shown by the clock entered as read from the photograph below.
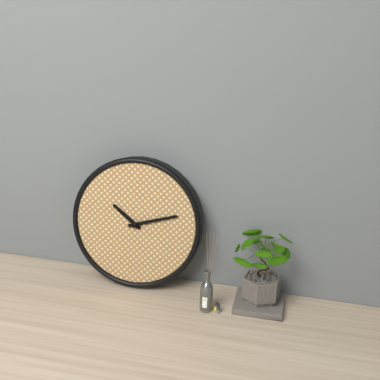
10:12
